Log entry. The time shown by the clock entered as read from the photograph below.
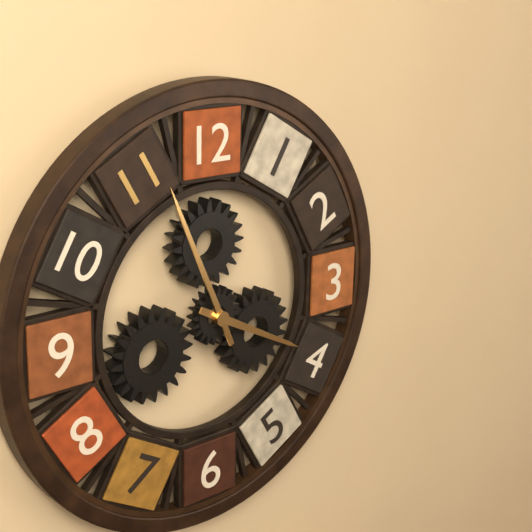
3:56
